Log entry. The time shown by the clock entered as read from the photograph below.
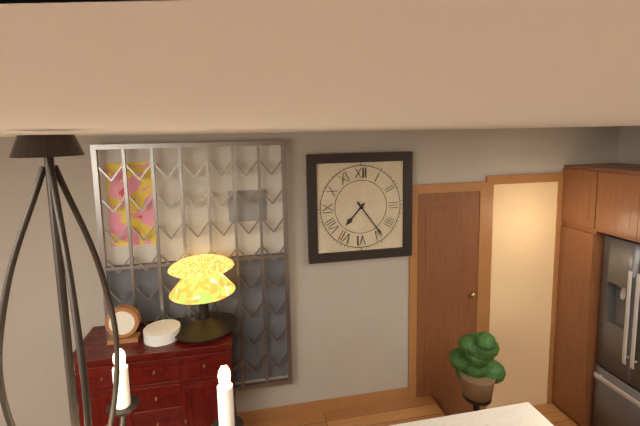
7:24
